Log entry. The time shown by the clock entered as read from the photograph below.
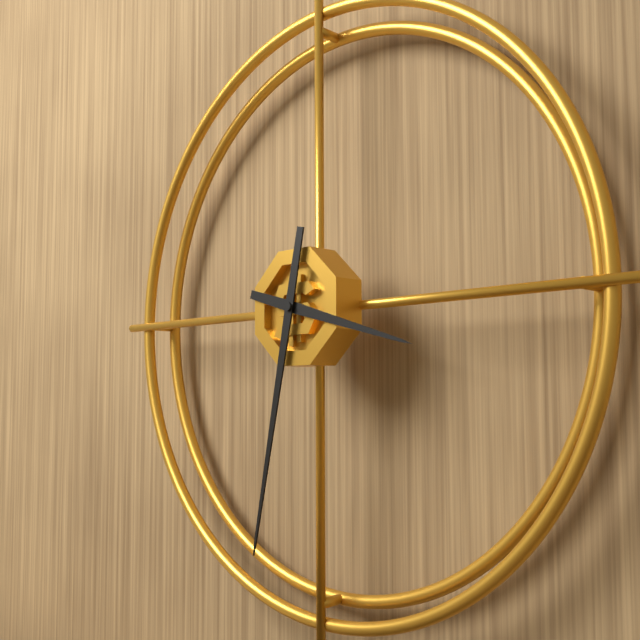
3:32
